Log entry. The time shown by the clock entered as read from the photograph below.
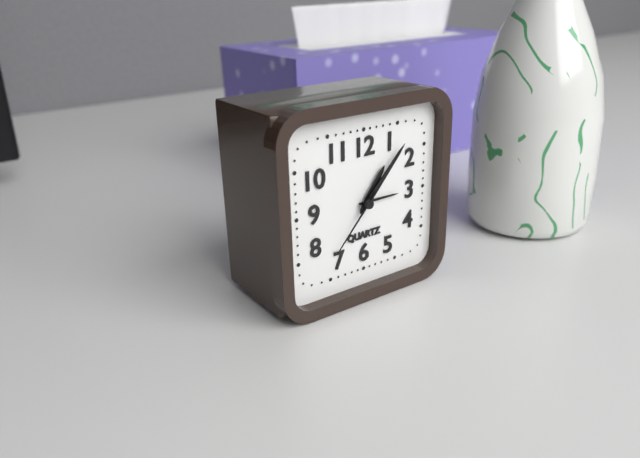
1:07:37
